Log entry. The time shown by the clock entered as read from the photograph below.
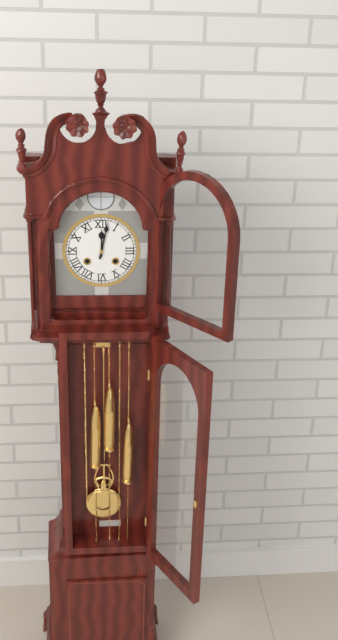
12:02
